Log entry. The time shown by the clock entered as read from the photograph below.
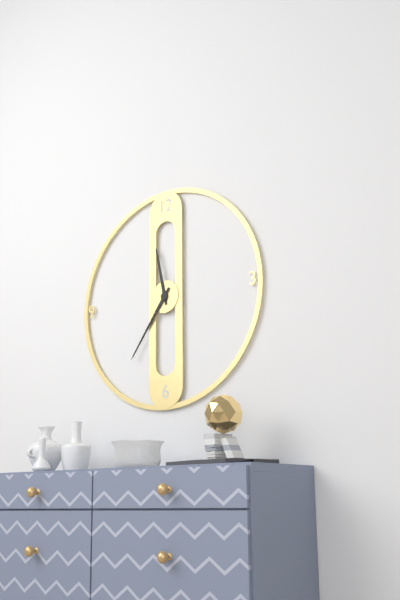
11:36
